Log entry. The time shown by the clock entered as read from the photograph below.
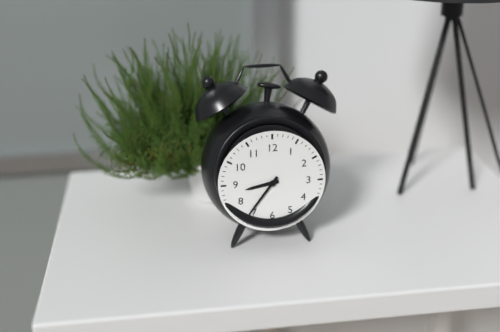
8:36
